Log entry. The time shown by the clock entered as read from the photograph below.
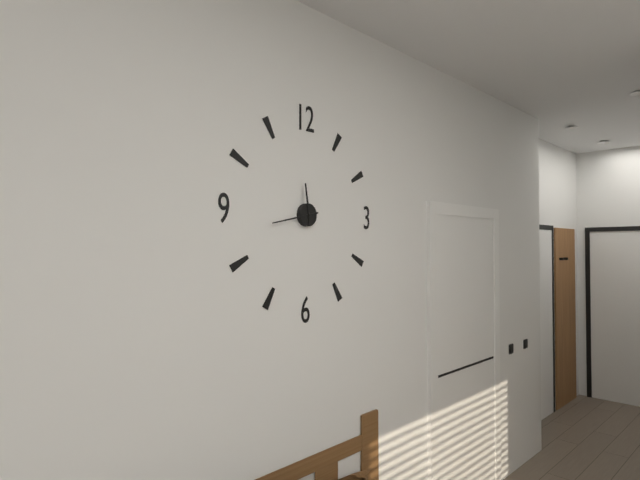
11:43
